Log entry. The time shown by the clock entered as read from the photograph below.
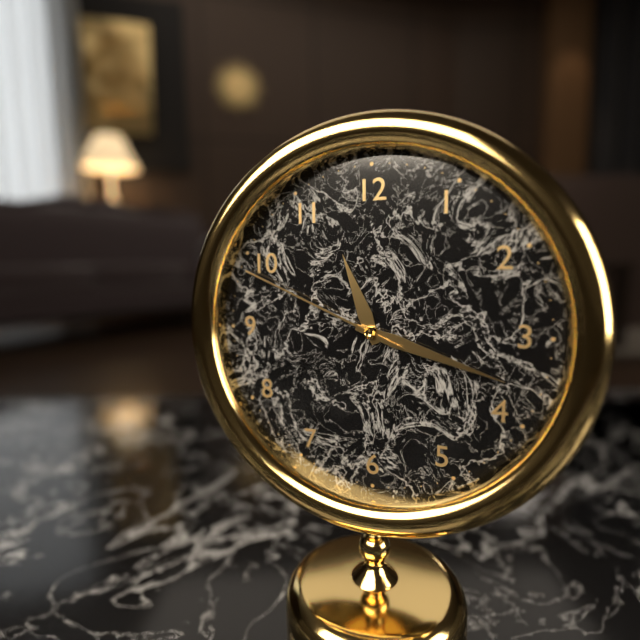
11:18:49
